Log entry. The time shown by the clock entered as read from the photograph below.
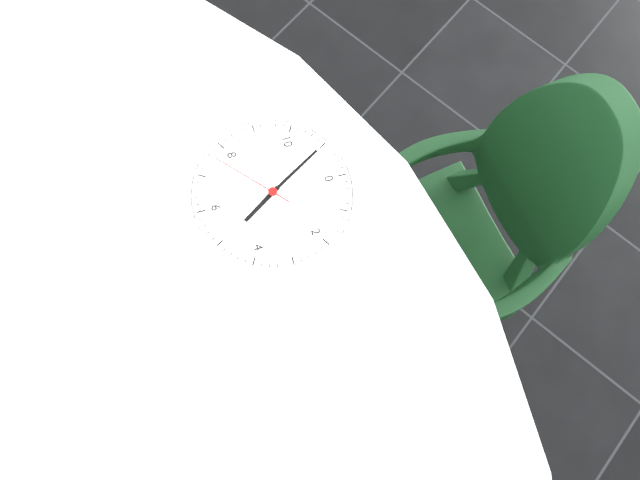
4:55:38
